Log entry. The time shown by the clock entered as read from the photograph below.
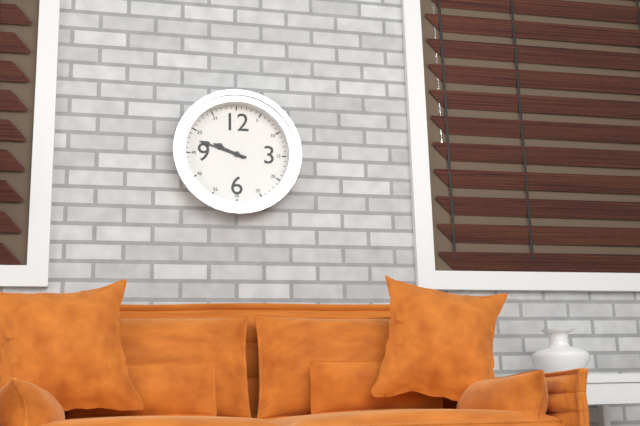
9:48
